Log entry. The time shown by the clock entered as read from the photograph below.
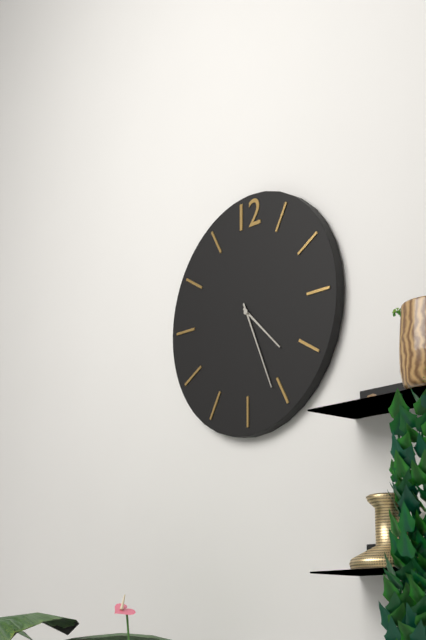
4:26
